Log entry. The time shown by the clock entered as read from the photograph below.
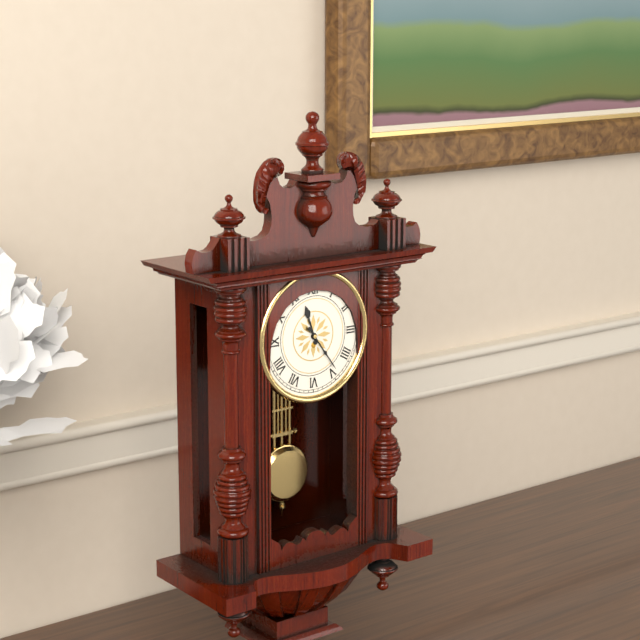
11:24
